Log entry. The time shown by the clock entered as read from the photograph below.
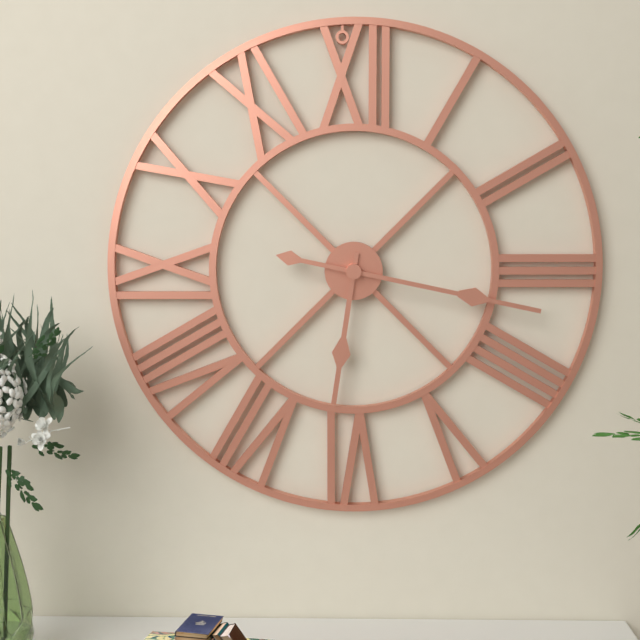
6:17
